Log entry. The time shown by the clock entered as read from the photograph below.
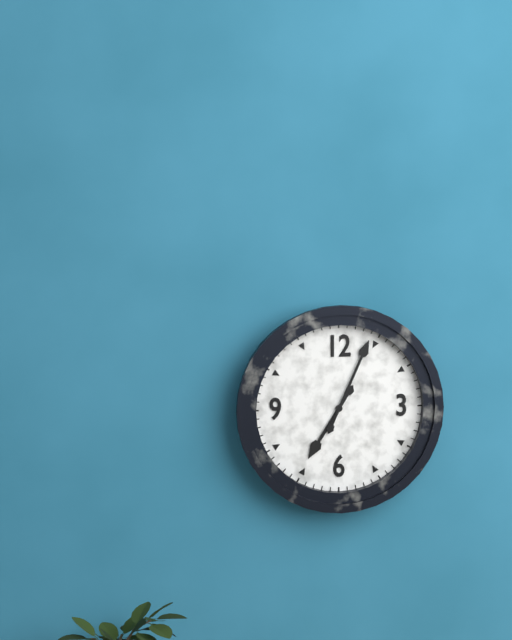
7:04
